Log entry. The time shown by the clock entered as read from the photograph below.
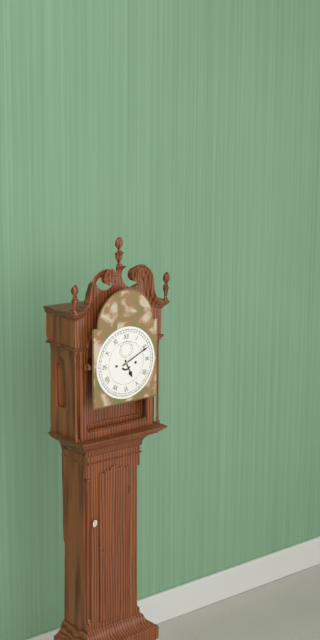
5:11
